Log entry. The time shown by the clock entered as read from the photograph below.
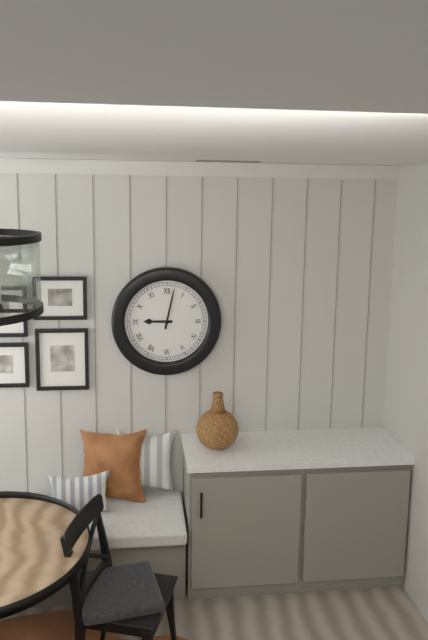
9:02
